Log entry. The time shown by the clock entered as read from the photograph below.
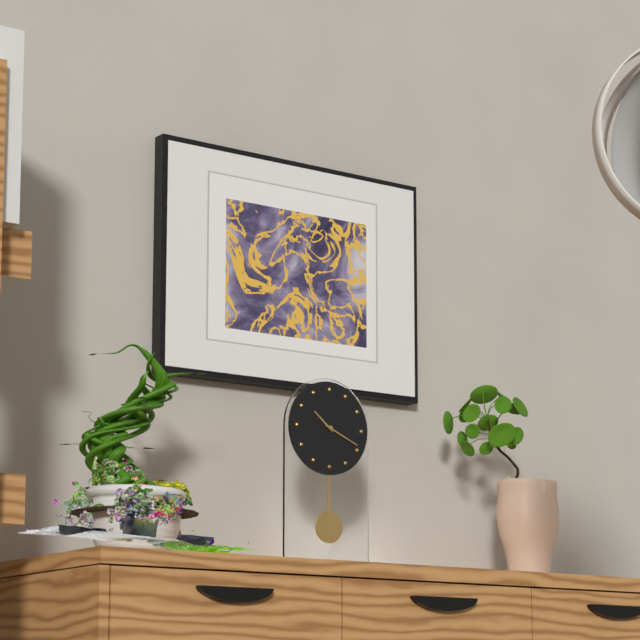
10:19
